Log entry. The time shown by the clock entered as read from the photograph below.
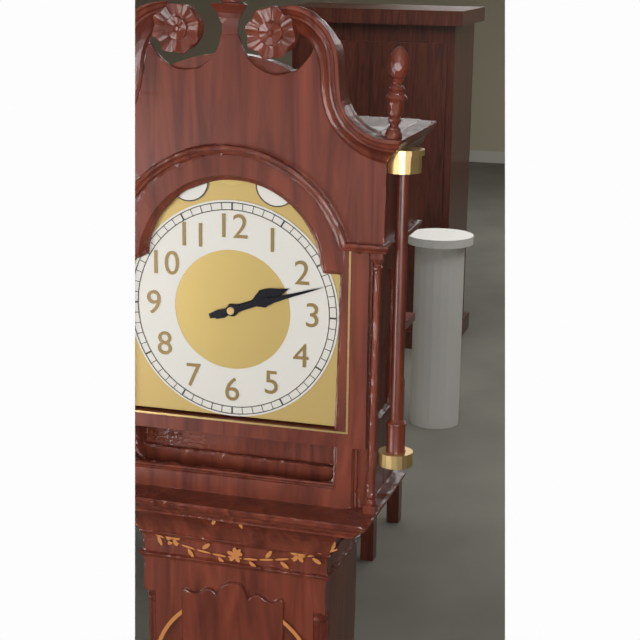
2:12
